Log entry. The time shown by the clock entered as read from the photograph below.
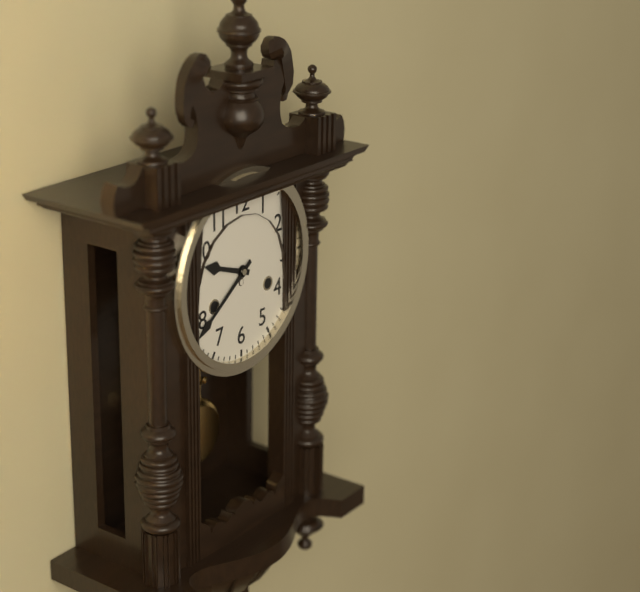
9:39
